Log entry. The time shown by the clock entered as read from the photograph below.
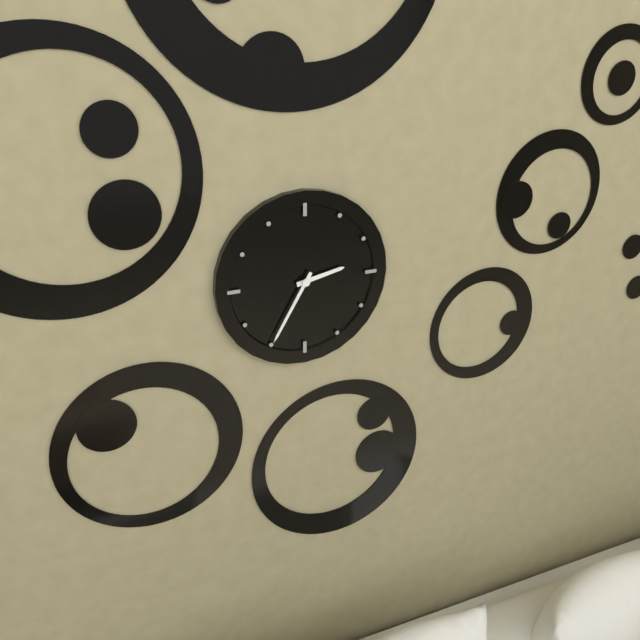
2:35
